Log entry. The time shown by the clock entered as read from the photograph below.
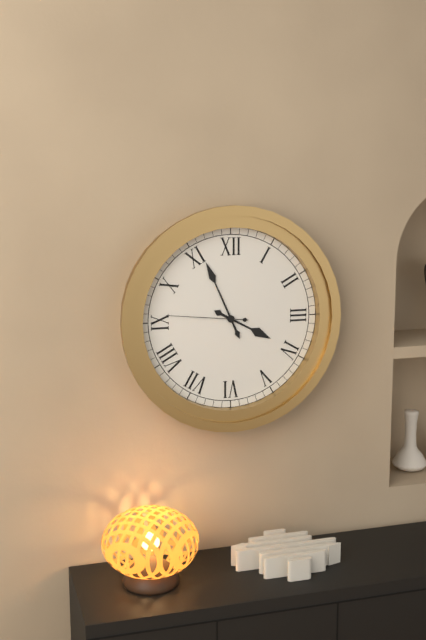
3:56:46
